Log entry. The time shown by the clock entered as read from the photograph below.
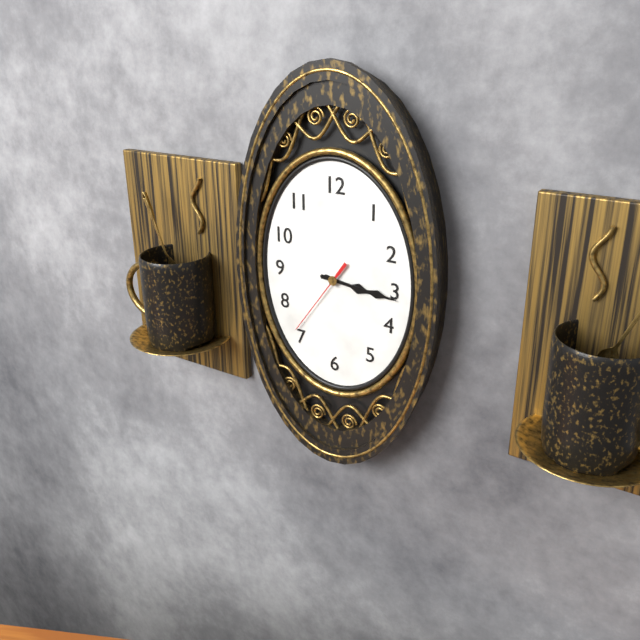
3:16:36
